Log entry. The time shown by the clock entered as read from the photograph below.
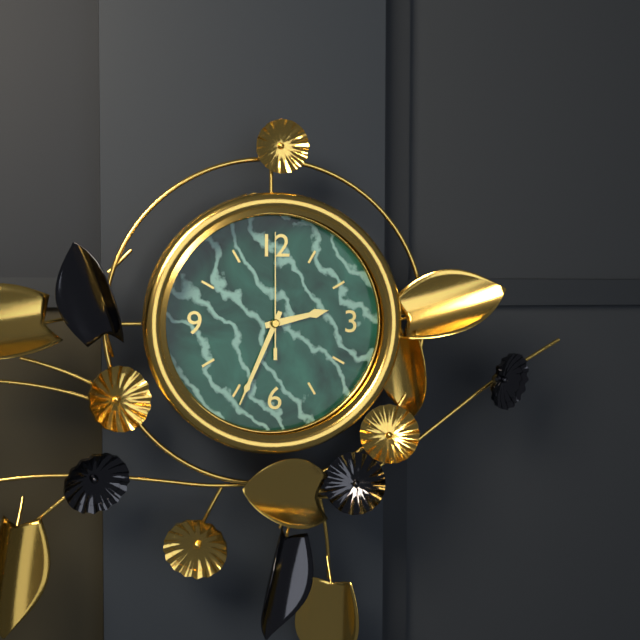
2:34:00
